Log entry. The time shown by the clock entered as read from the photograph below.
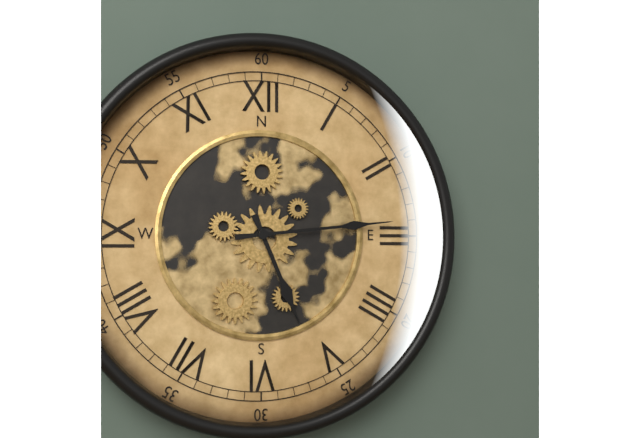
5:14
